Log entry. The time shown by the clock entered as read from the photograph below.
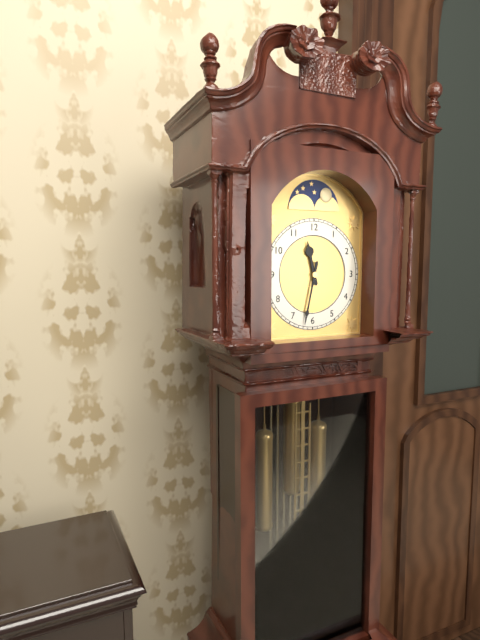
11:32
